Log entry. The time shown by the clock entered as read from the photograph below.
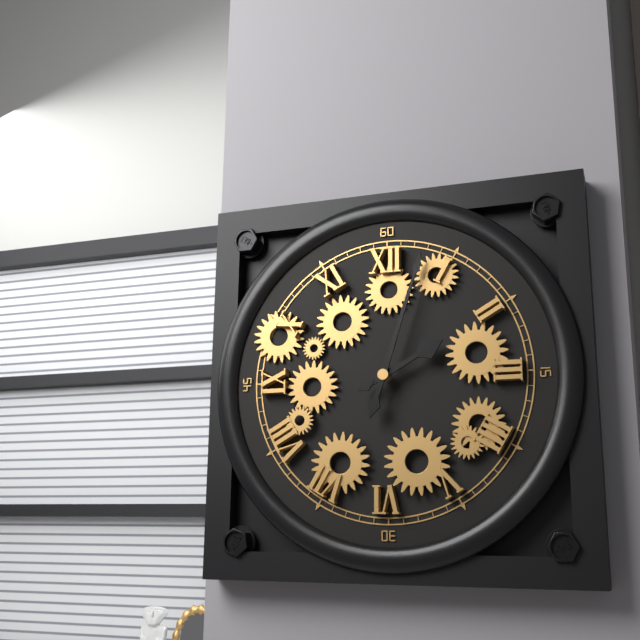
2:03
